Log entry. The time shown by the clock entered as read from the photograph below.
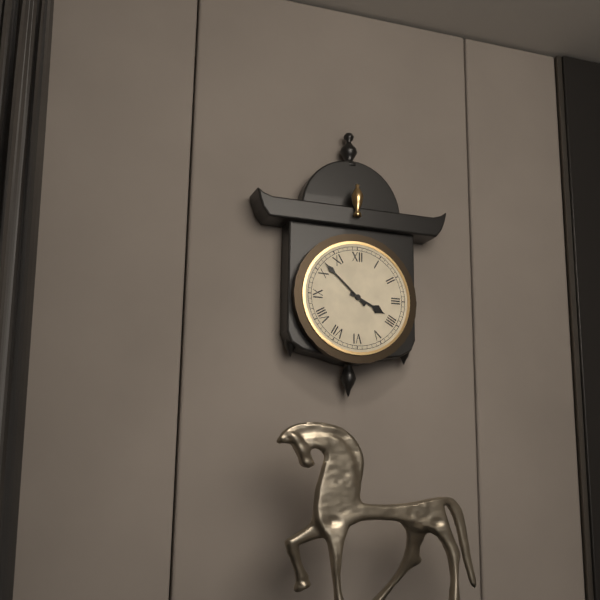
3:52
